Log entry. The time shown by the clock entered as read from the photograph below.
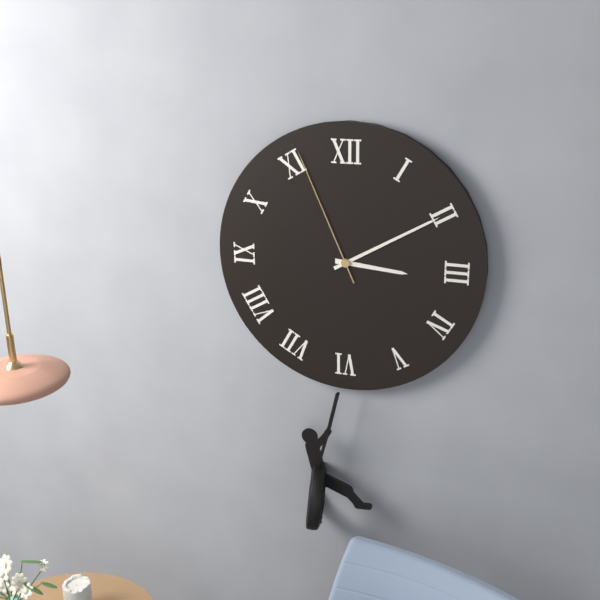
3:10:56
